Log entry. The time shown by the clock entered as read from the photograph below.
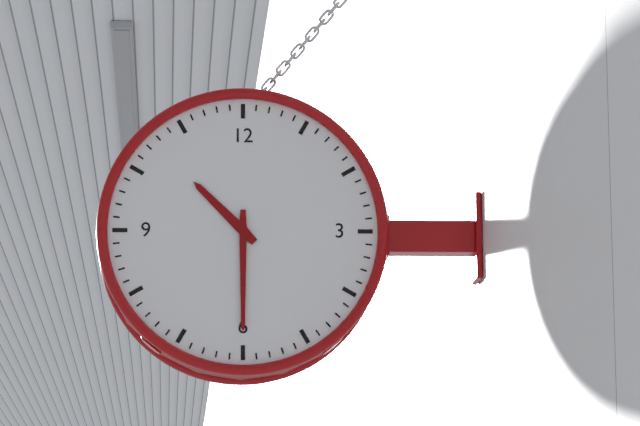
10:30
